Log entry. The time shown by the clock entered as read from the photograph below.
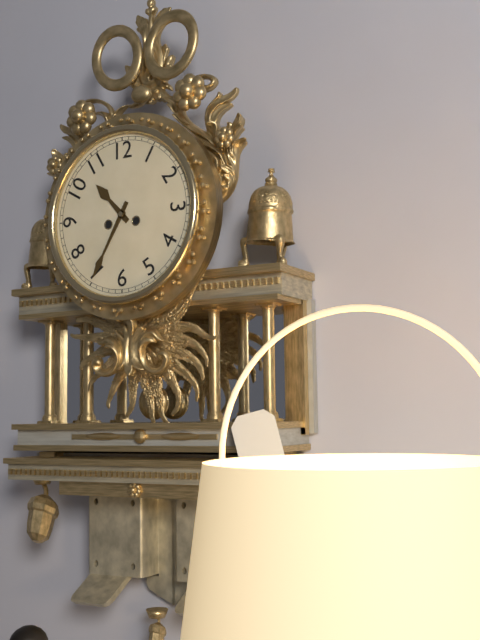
10:35
